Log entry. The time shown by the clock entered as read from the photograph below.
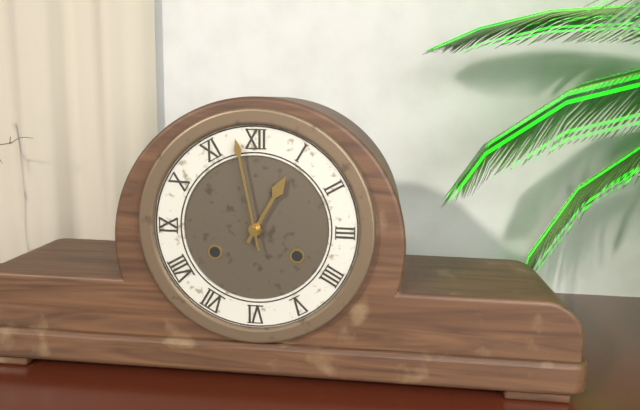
12:58
